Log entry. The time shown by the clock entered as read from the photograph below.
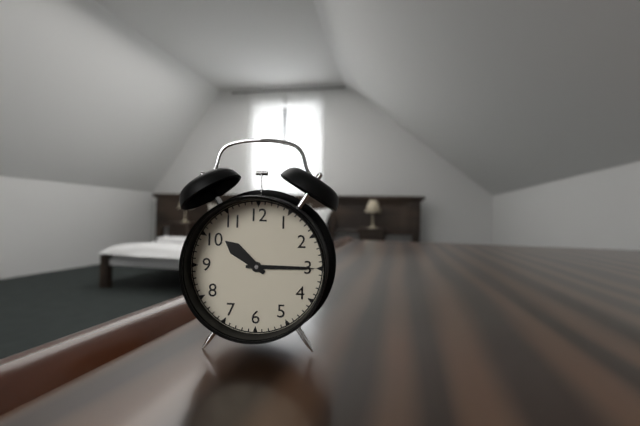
10:15
